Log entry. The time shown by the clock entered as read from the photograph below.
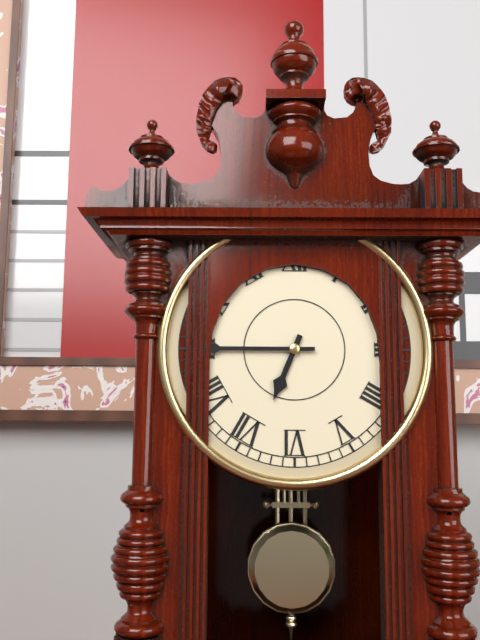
6:45
